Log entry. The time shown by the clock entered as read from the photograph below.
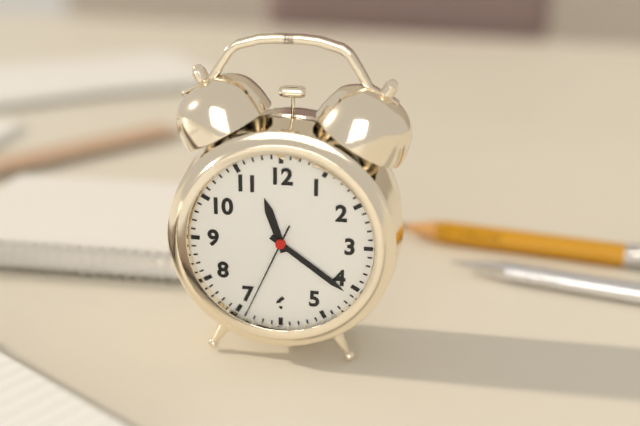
11:21:34
